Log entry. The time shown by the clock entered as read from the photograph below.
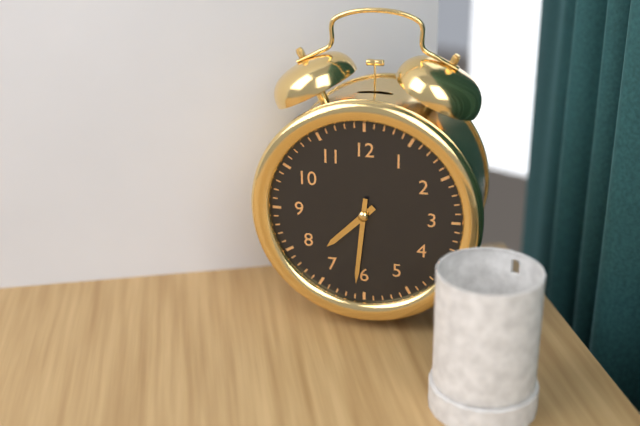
7:31
